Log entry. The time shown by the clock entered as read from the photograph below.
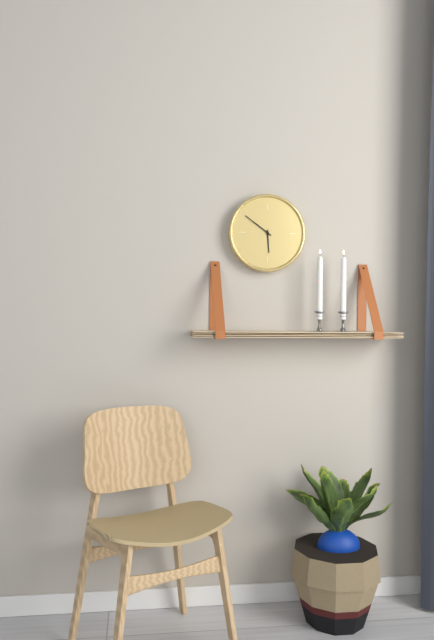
5:51
